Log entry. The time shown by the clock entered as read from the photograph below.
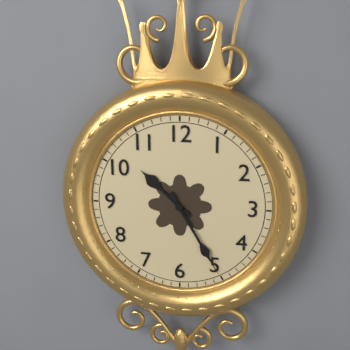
10:25
